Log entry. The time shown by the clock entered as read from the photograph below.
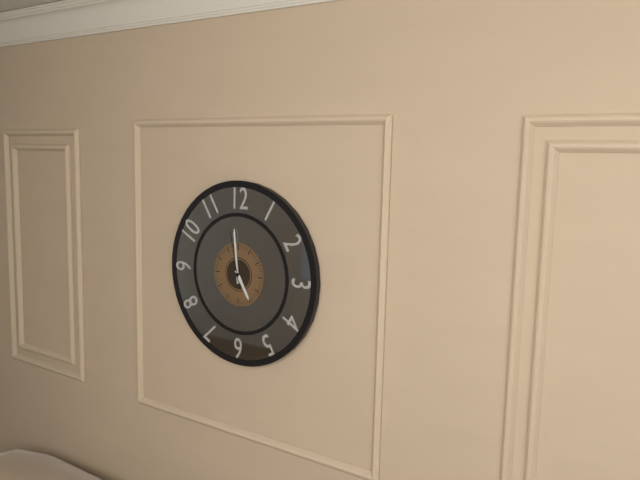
4:59:58
